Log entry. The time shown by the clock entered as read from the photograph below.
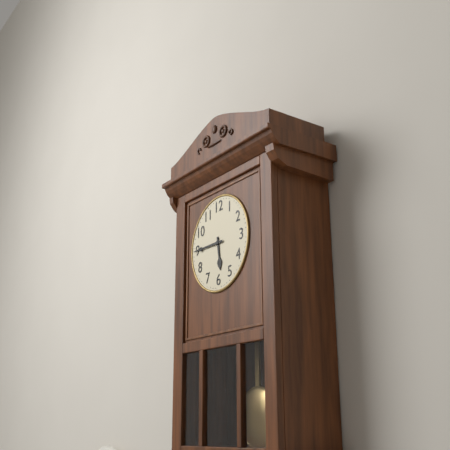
5:45
